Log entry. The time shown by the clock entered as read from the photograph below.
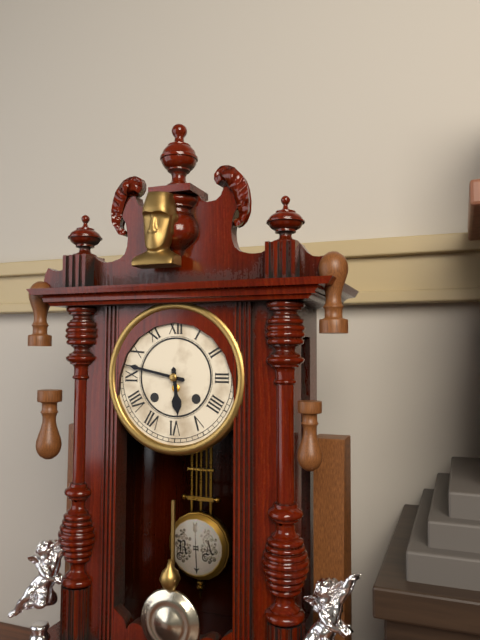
5:47
